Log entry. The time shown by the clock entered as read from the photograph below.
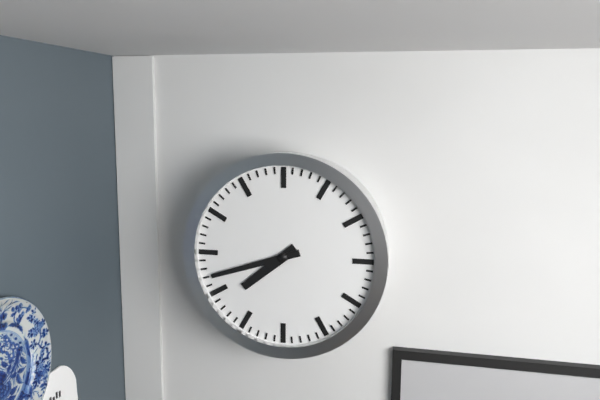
7:42
